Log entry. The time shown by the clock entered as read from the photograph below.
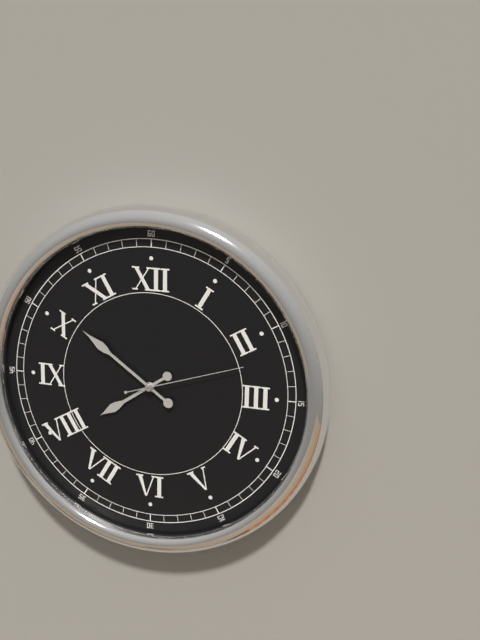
7:51:12
